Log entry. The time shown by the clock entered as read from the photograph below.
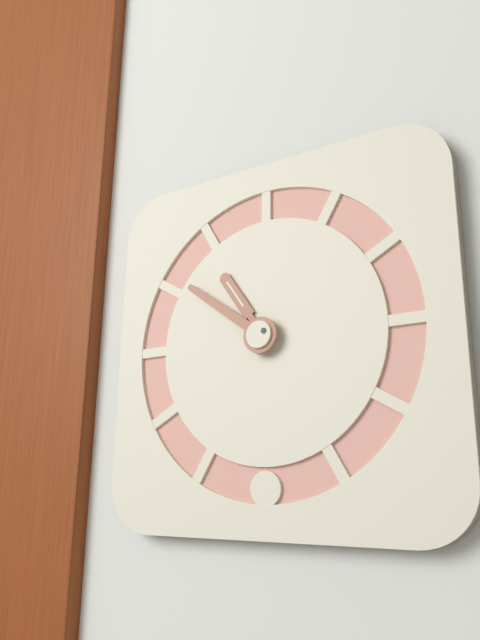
10:51
